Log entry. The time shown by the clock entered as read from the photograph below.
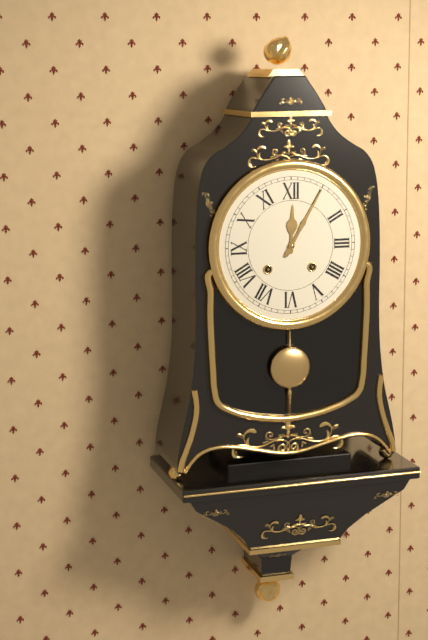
12:05
